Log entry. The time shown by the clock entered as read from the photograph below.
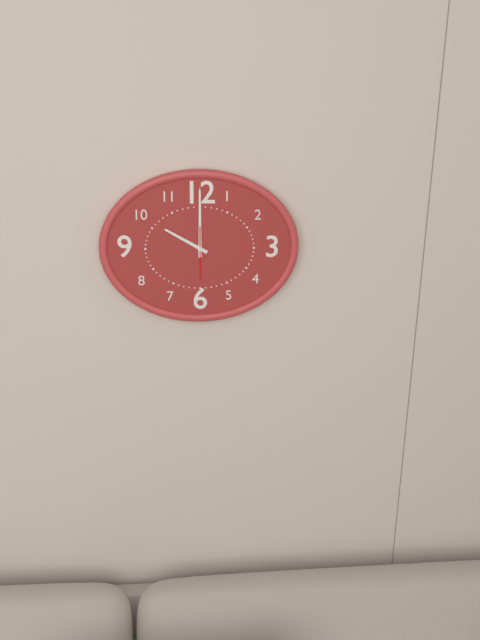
10:00
